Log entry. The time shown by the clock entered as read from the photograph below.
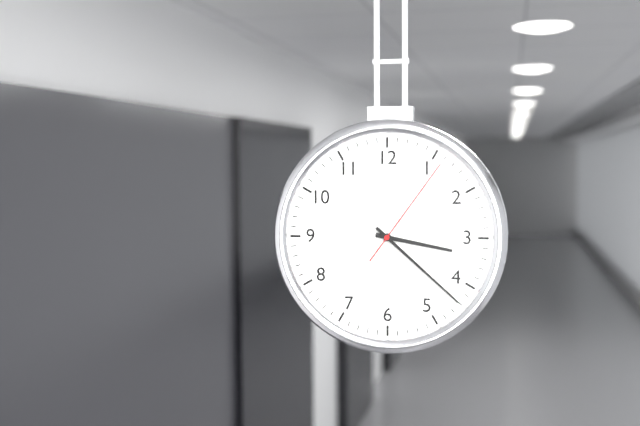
3:22:06
